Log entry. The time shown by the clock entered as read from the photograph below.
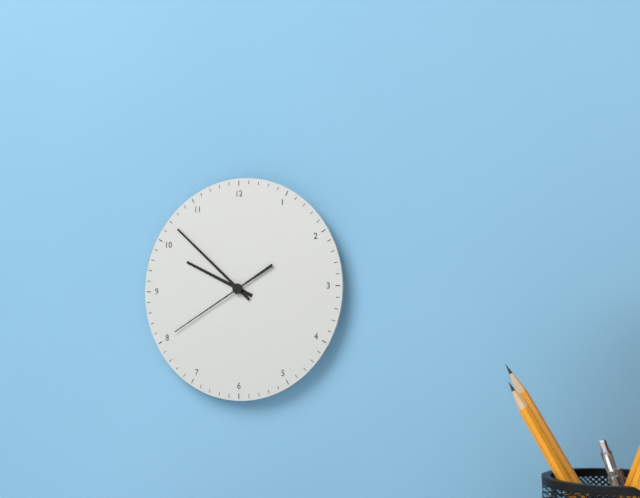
9:52:40
